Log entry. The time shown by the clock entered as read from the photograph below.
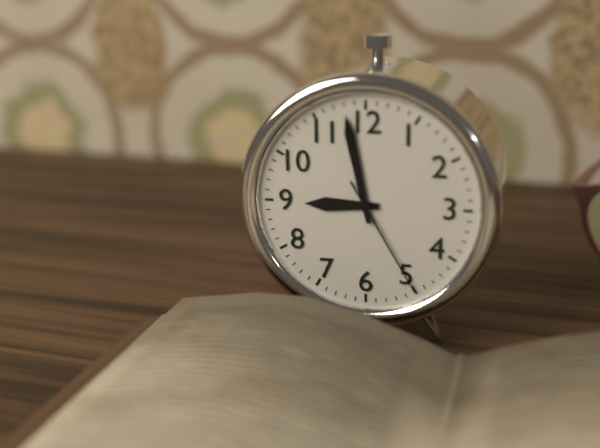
8:58:25
